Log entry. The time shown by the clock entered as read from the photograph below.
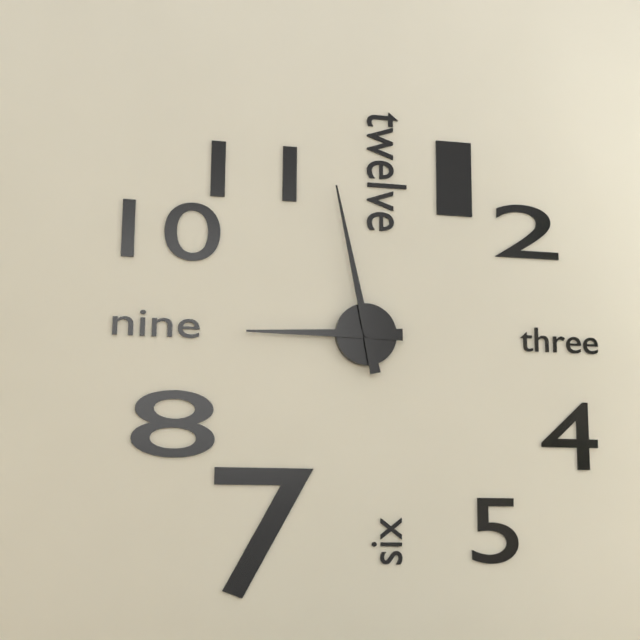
8:58
